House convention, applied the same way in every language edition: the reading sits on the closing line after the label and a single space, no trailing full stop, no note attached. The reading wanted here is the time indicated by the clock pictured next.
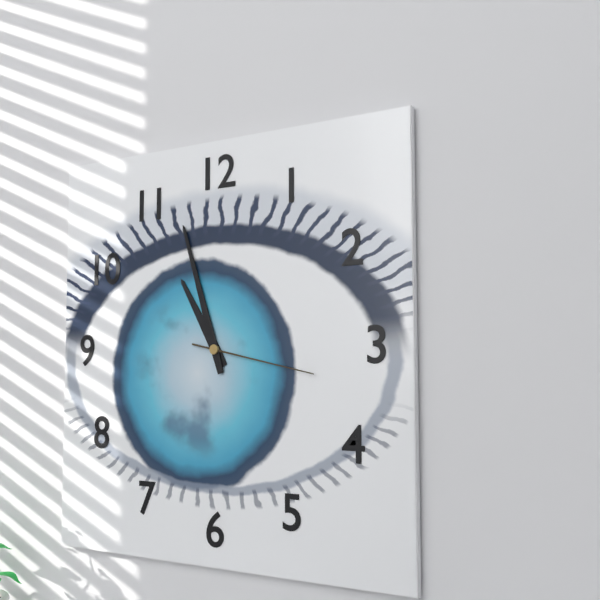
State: 10:57:17
